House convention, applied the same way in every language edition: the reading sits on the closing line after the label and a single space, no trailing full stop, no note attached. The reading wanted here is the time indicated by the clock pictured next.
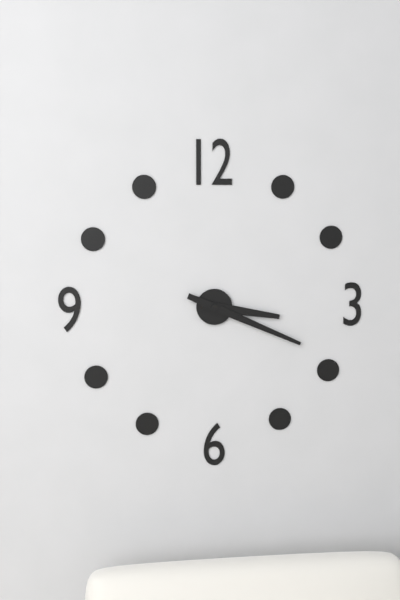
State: 3:19
